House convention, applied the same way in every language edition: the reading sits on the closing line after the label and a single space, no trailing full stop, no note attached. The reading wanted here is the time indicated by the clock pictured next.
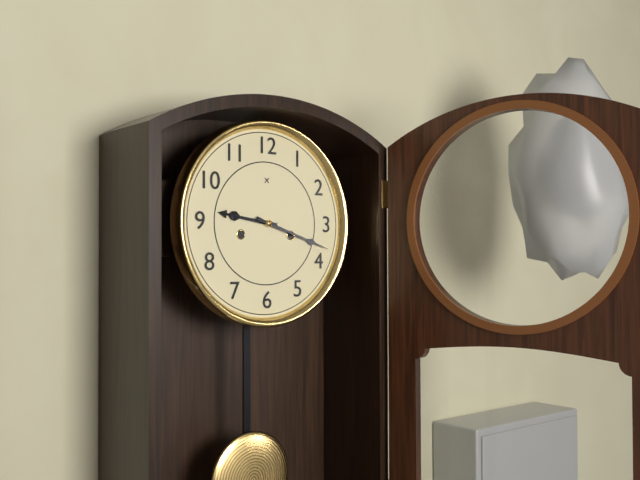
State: 9:18
